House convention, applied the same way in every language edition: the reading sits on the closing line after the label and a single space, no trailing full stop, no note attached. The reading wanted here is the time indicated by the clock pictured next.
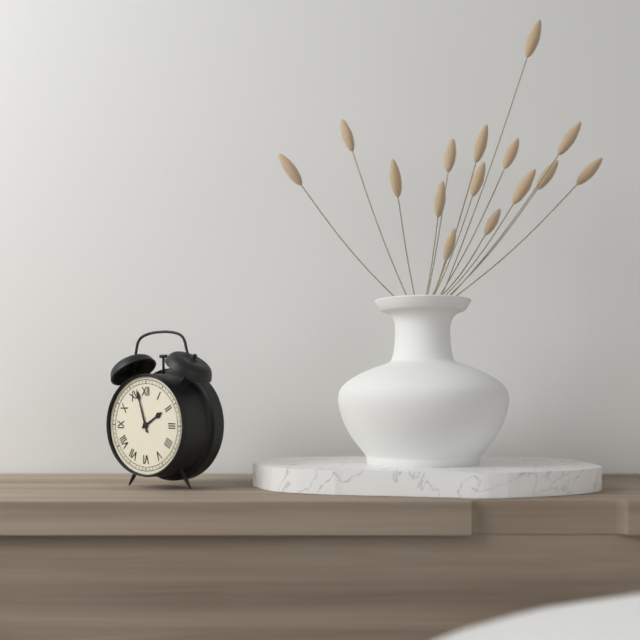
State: 1:57
